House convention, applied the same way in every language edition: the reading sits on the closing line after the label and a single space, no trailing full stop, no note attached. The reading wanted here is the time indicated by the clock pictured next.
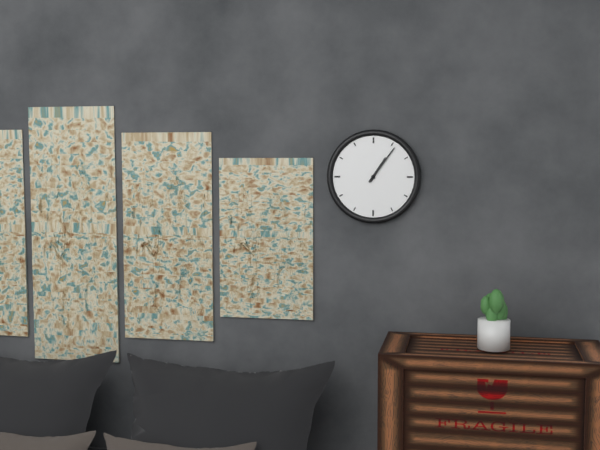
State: 1:06
